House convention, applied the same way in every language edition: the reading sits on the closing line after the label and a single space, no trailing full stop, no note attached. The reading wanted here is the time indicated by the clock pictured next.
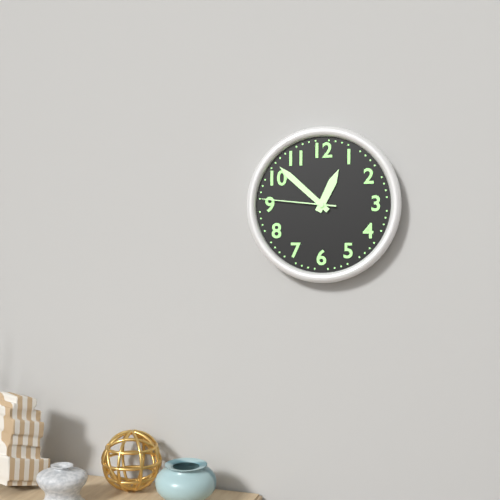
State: 12:52:46
